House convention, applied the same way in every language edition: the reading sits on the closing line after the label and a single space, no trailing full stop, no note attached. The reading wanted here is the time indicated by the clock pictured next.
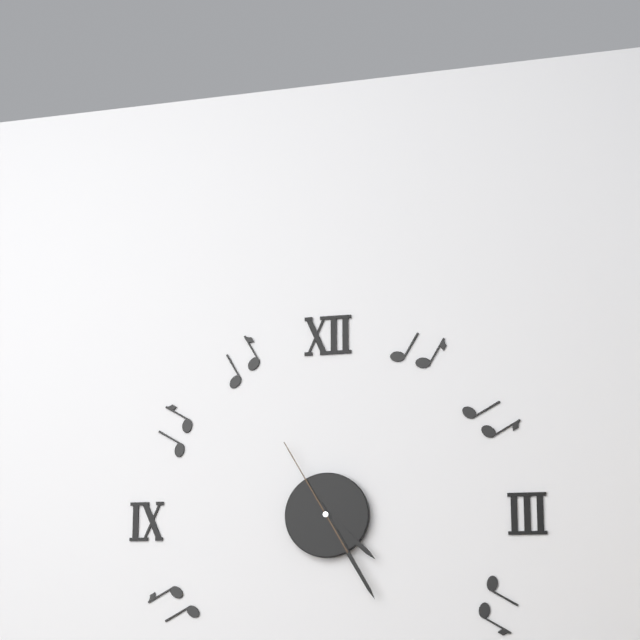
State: 4:25:55
